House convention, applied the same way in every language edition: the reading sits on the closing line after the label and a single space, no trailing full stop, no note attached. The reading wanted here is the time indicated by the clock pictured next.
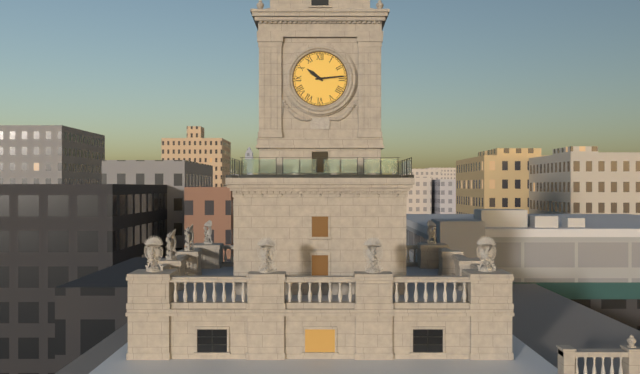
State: 10:14
